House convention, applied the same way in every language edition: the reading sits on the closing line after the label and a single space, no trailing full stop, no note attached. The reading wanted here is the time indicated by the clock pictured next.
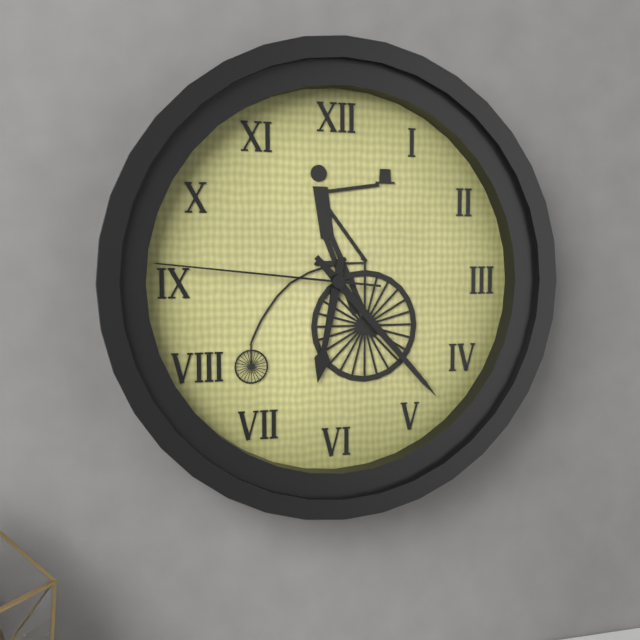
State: 6:23:46
